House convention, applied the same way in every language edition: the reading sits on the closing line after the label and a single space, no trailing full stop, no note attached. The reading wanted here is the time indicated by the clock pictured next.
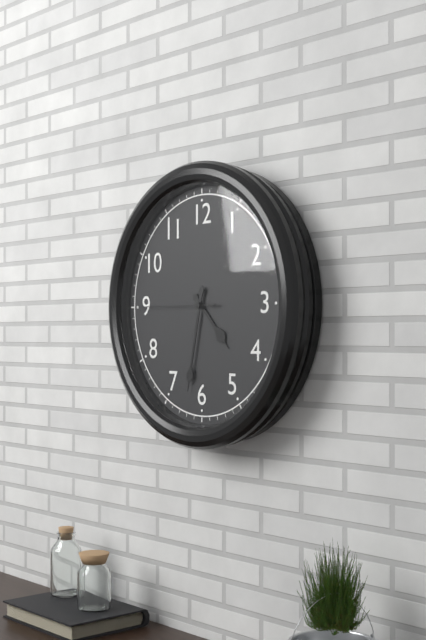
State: 4:32:45
